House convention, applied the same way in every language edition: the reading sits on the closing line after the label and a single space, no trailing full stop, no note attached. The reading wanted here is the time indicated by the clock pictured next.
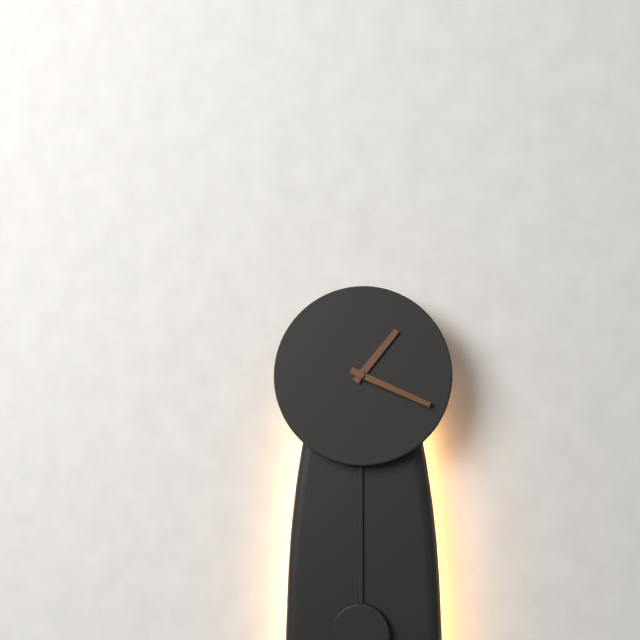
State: 1:19
